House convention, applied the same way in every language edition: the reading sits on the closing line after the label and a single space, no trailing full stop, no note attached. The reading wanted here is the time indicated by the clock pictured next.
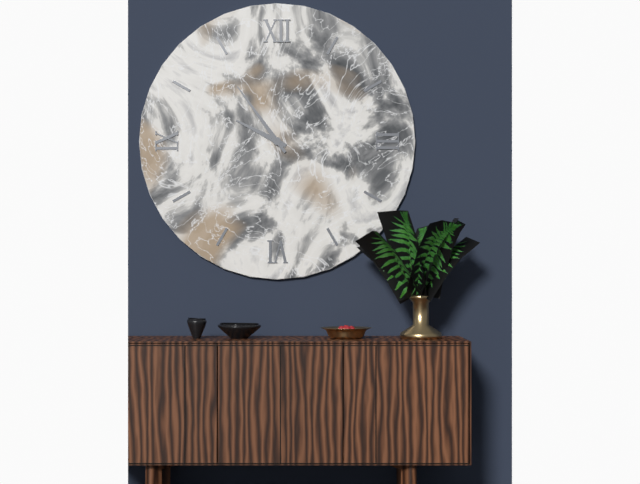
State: 9:54
